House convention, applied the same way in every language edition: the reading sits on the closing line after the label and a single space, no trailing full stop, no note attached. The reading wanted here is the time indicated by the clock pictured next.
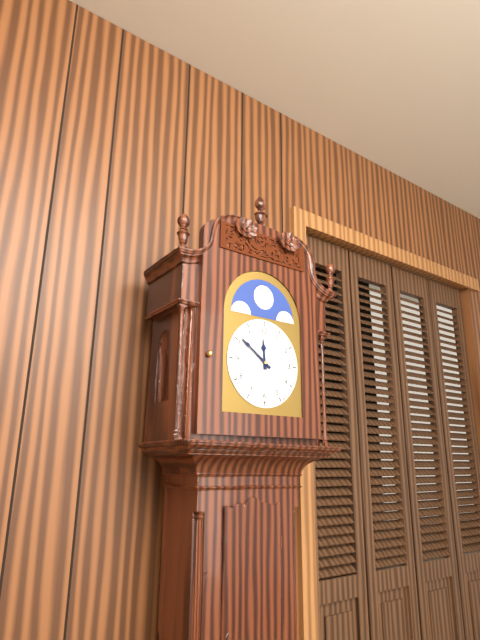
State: 11:51
